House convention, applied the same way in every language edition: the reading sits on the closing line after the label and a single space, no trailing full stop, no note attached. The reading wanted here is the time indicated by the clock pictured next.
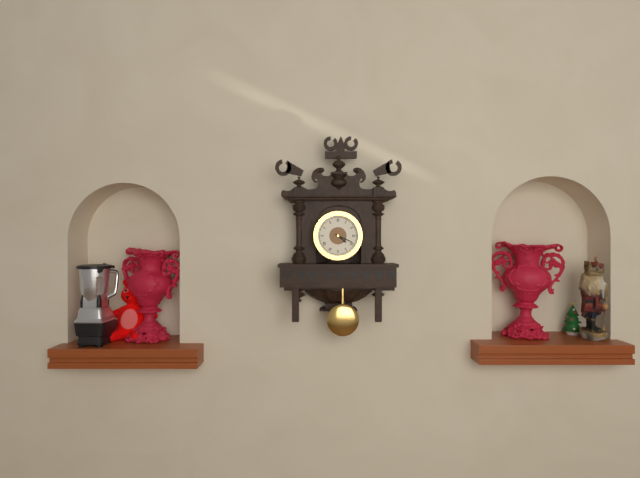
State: 4:19
